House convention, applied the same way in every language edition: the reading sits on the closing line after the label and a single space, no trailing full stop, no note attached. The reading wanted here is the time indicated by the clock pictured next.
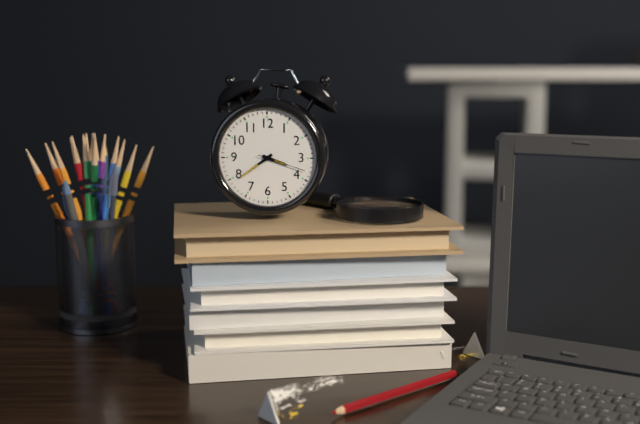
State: 3:39:18
